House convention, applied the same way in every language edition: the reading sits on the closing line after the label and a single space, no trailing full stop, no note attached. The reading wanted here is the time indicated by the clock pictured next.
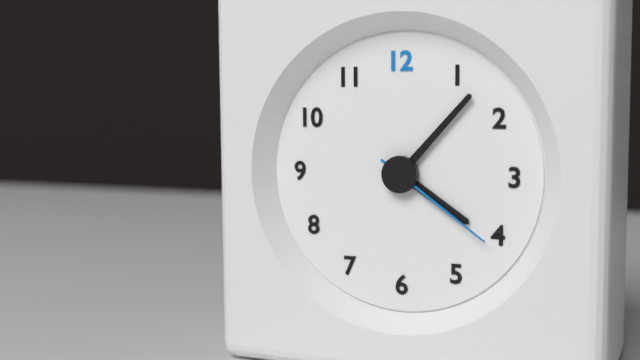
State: 4:07:21
